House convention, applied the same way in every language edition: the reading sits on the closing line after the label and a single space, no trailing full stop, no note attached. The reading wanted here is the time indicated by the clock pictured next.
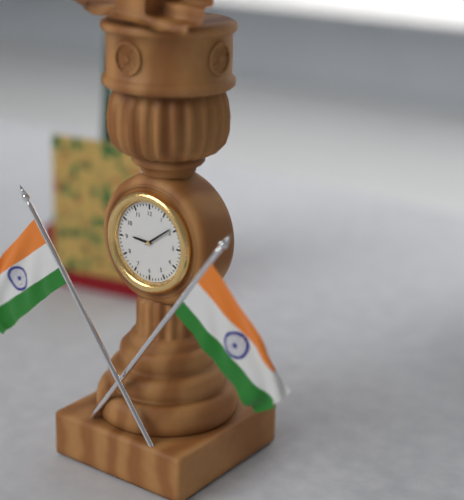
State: 9:09
